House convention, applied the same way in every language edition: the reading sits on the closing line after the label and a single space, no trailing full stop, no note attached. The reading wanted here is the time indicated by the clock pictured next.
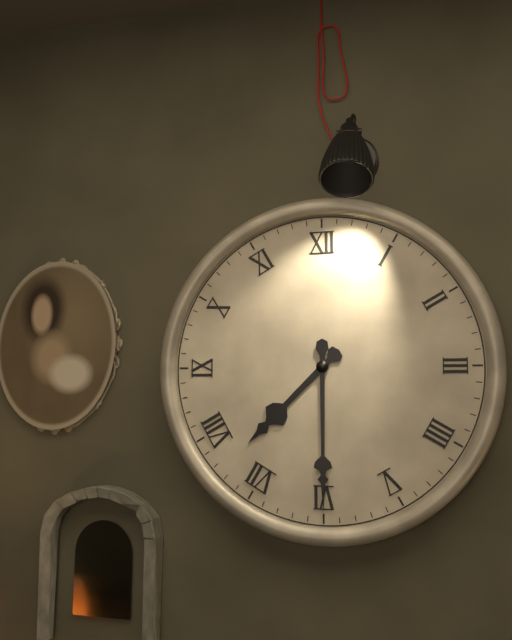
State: 7:30
